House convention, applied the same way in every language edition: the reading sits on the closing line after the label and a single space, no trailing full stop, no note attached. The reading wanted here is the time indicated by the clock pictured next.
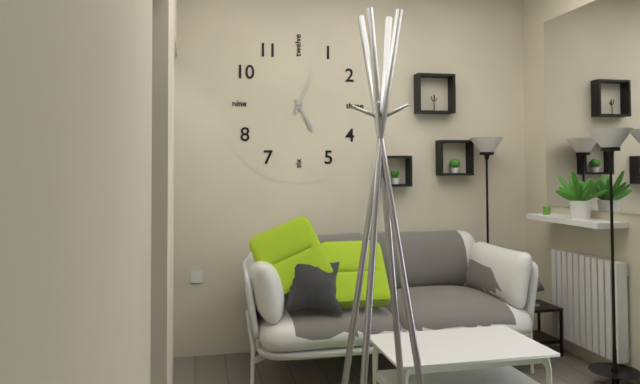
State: 5:04
